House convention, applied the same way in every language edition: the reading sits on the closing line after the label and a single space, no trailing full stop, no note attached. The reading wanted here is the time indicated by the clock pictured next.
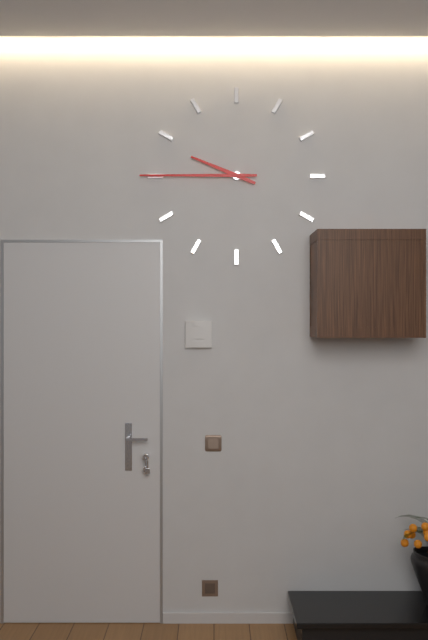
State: 9:45
